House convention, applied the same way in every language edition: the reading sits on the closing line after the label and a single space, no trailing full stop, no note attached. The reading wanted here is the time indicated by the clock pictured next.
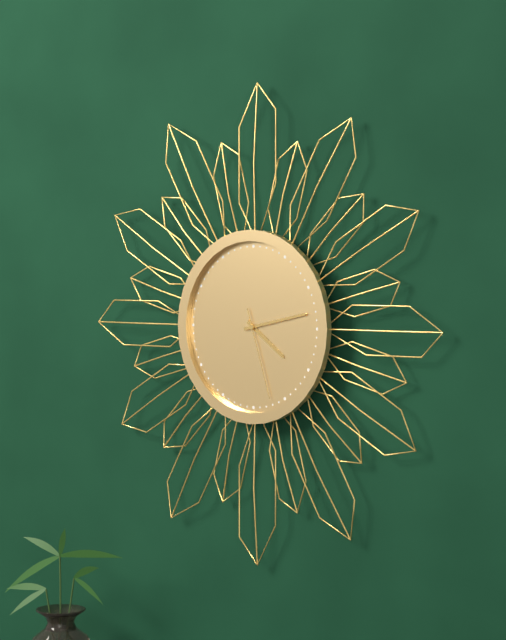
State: 4:13:27
